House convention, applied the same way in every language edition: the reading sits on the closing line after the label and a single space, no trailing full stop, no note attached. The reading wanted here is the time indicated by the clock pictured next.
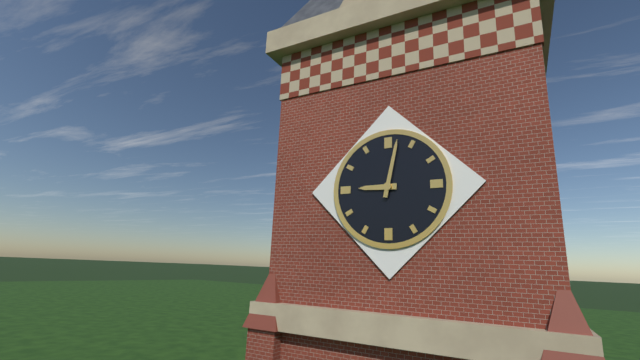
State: 9:02
